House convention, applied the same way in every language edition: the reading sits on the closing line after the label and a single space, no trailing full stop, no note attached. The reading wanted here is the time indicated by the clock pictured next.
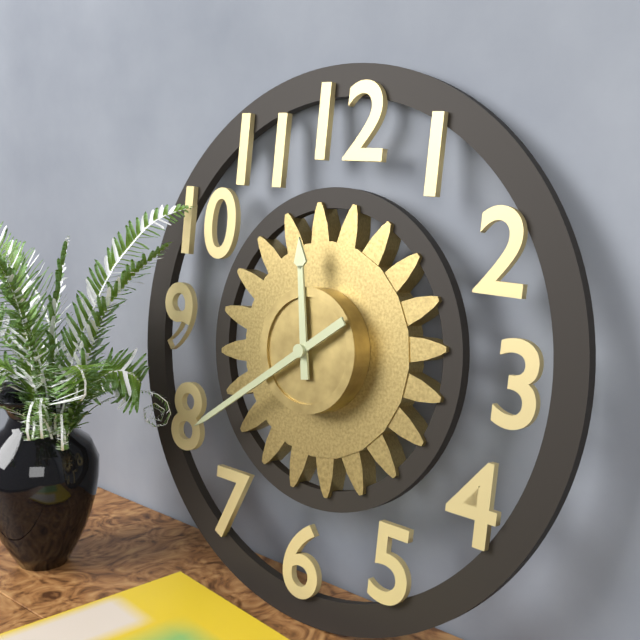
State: 11:39
